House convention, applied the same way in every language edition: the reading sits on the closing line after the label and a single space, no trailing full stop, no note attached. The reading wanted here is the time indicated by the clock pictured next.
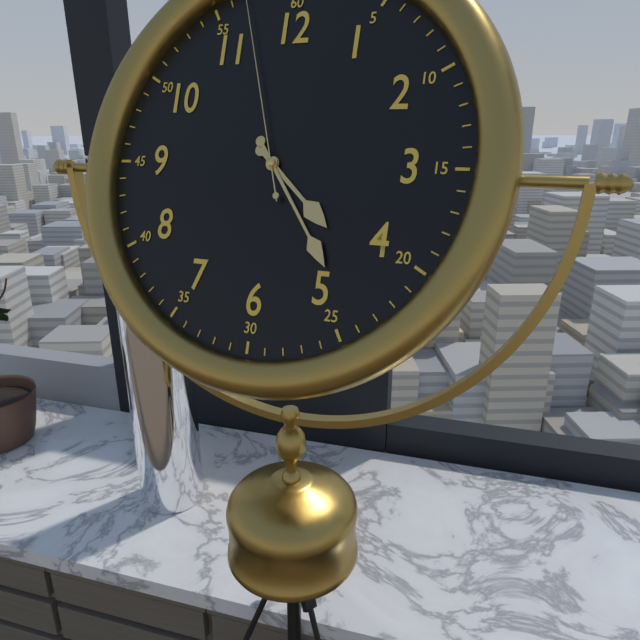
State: 4:24
